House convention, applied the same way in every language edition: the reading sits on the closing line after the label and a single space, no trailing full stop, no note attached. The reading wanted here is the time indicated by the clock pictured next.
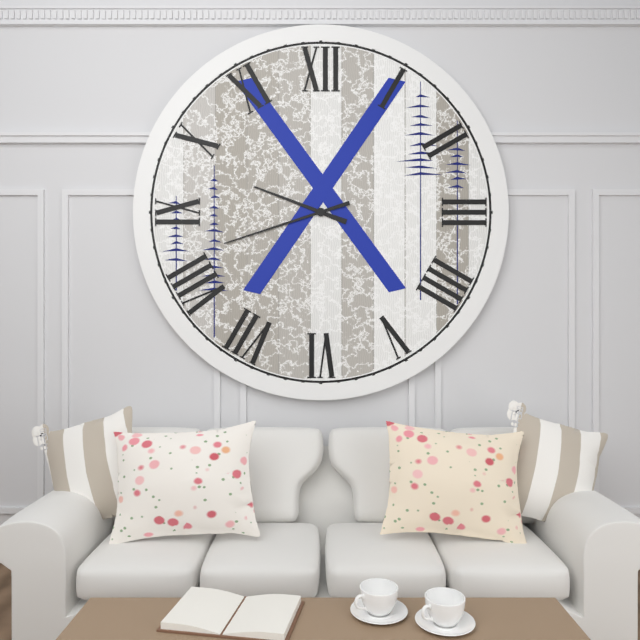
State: 9:42
